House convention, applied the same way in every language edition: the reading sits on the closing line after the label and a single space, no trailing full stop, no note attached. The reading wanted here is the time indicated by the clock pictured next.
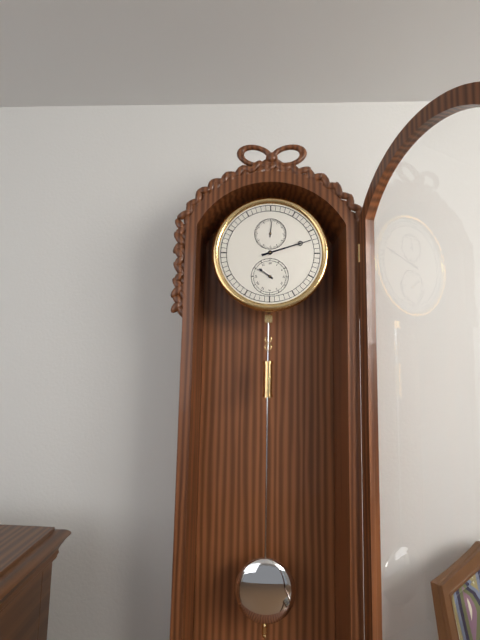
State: 10:12
